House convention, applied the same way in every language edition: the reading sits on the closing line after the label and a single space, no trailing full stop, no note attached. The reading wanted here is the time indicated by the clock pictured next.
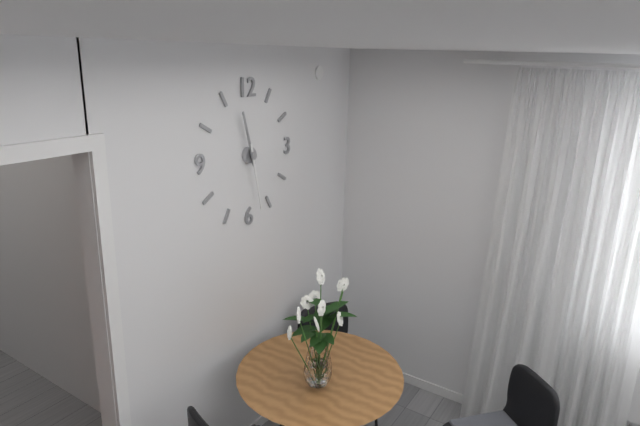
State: 11:28
